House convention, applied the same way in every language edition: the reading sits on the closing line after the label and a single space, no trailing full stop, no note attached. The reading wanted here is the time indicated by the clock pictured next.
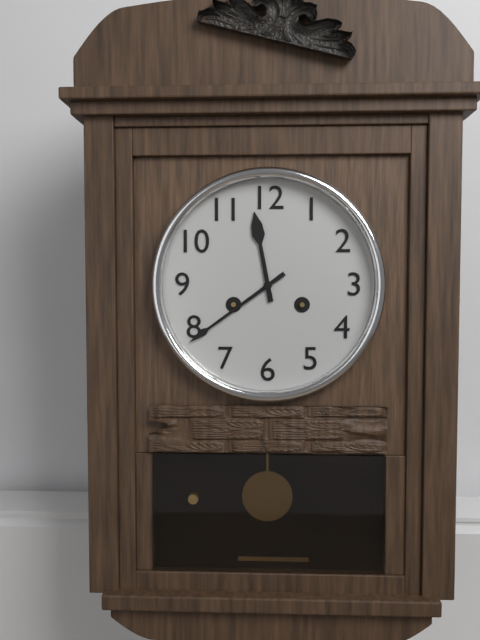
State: 11:39
